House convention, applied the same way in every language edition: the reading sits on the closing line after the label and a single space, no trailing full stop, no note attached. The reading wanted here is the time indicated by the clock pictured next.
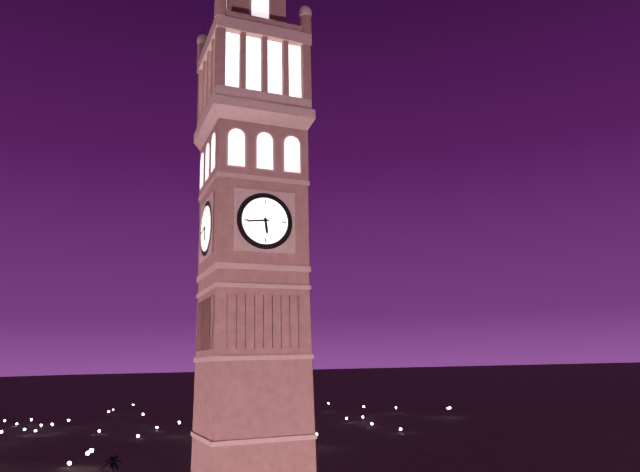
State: 5:44
